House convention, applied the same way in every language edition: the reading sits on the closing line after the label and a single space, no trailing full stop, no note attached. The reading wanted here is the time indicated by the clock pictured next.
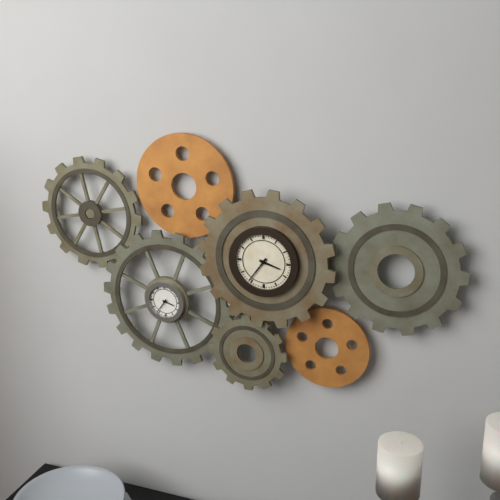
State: 3:36
